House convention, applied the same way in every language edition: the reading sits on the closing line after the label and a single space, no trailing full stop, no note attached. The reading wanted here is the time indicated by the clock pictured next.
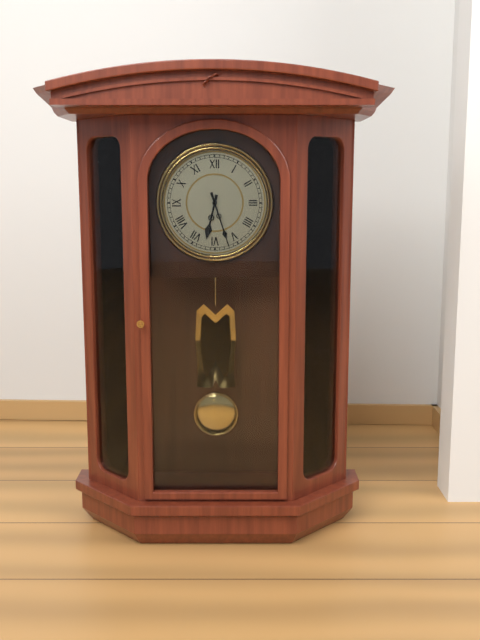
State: 6:27
